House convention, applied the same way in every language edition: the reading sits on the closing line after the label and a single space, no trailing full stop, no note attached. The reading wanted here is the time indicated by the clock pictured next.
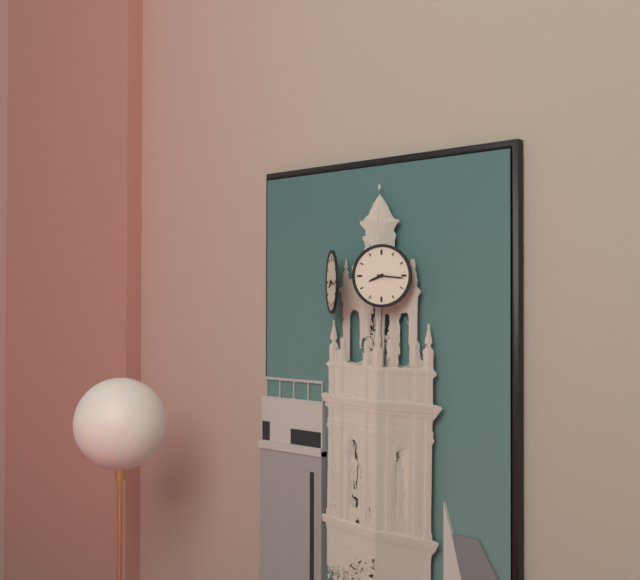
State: 8:16
